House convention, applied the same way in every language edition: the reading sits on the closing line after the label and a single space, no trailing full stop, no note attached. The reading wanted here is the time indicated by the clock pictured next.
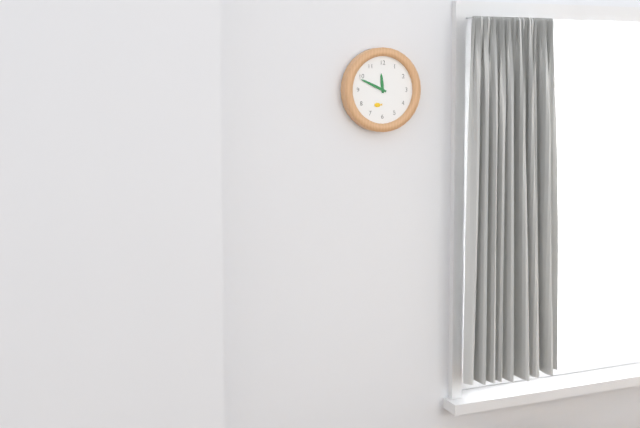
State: 11:49
